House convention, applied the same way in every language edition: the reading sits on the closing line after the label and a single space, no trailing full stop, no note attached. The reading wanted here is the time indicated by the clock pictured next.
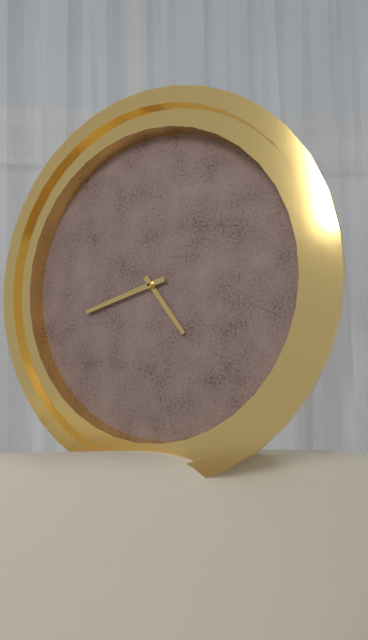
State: 4:42
